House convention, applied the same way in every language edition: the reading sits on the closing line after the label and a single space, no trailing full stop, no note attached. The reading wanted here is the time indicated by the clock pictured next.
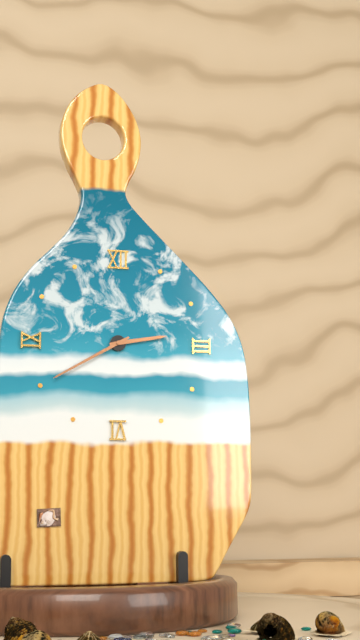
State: 2:40
